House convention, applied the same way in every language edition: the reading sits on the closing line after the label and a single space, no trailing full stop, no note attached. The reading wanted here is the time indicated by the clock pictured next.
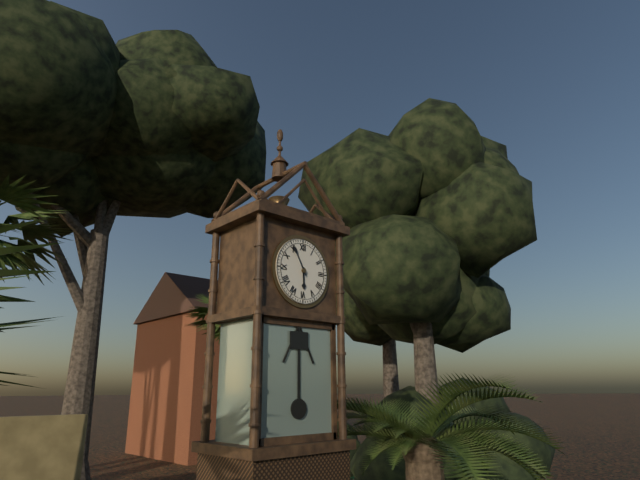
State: 5:55
